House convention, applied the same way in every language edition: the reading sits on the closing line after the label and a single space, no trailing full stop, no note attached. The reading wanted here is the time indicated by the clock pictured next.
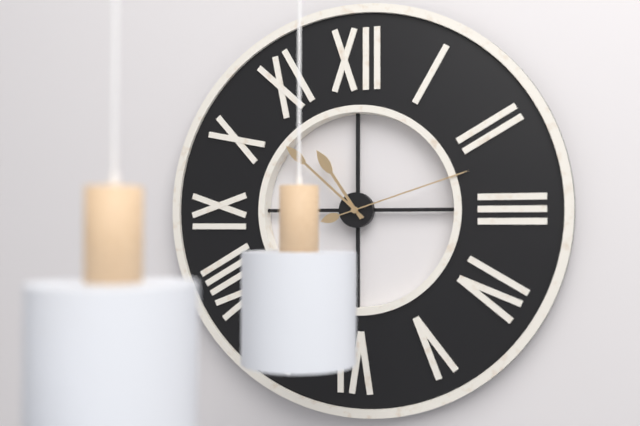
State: 10:52:12
